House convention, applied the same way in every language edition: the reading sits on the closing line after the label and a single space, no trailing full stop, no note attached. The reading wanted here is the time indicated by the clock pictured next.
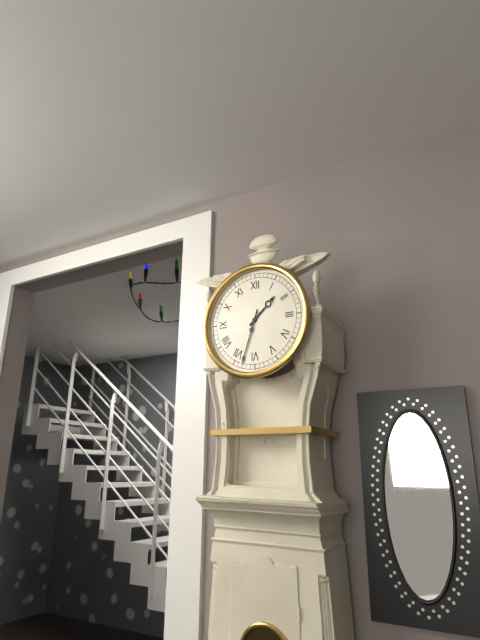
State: 1:33
